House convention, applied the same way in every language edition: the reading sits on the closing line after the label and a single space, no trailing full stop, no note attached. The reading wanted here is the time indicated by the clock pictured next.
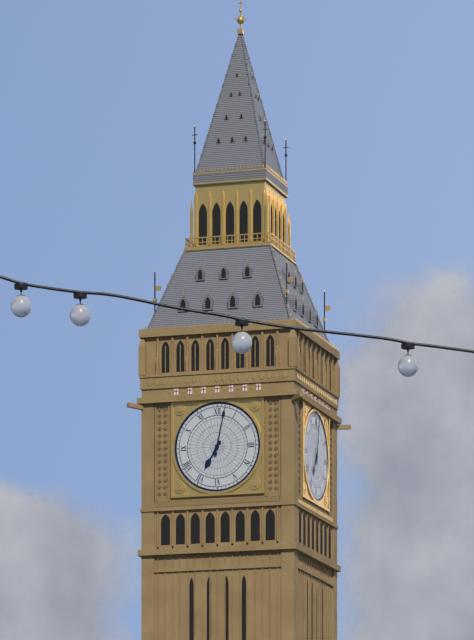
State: 7:02
